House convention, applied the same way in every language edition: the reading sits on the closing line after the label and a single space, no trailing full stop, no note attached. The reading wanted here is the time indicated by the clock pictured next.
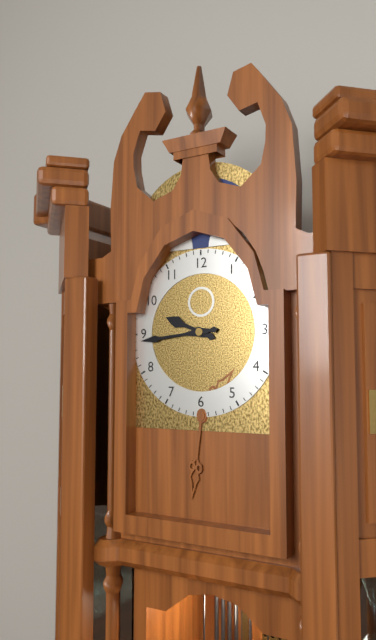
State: 9:44
